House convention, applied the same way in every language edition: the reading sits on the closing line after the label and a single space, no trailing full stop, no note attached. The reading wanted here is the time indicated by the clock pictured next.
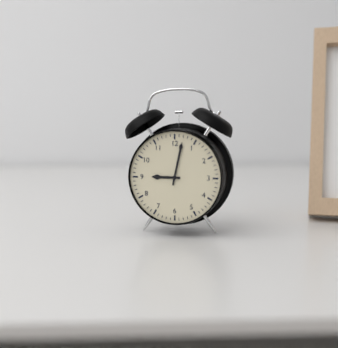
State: 9:02
